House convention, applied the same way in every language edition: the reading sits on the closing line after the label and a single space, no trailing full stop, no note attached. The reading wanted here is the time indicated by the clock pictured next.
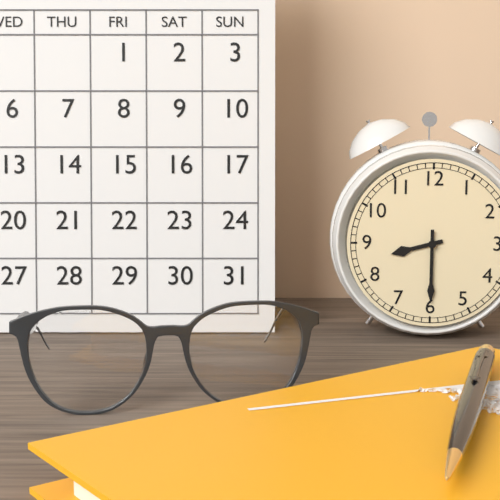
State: 8:30
